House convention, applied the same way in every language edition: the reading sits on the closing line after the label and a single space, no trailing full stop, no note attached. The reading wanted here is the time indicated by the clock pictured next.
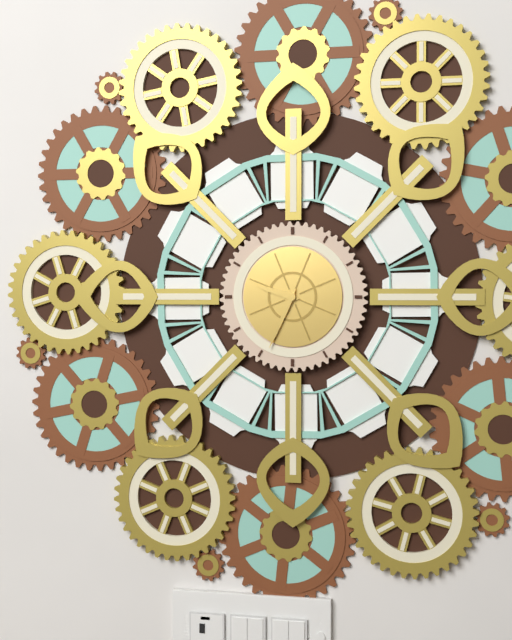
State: 9:34
